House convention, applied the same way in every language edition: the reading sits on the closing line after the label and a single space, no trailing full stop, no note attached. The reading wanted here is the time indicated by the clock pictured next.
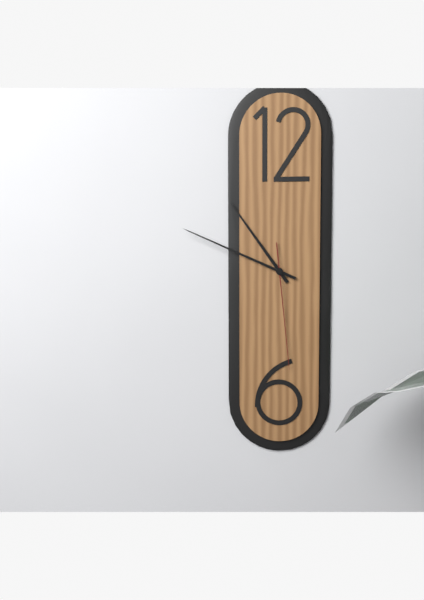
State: 10:49:29
